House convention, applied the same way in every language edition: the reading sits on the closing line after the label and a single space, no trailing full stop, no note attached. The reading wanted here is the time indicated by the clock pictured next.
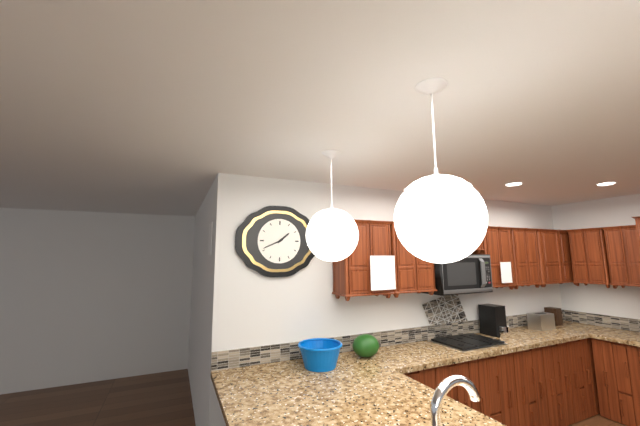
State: 1:41
